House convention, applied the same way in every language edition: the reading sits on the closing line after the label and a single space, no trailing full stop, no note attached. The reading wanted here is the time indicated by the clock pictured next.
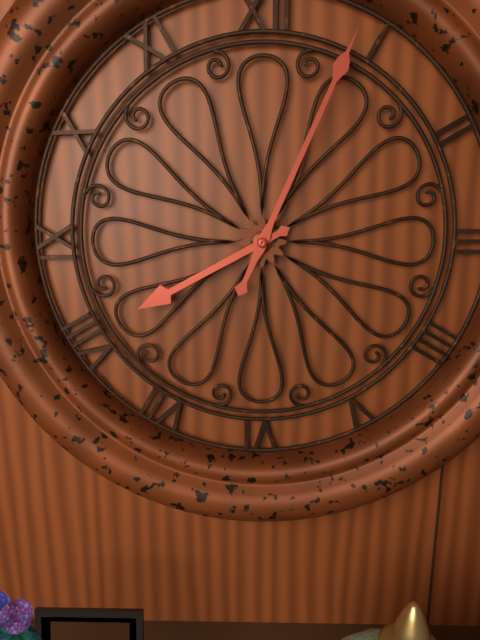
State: 8:04
